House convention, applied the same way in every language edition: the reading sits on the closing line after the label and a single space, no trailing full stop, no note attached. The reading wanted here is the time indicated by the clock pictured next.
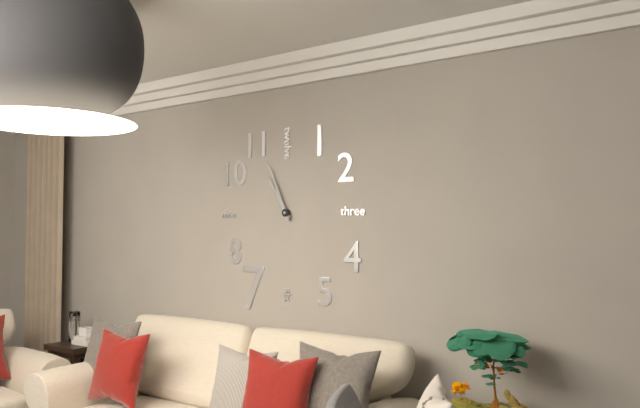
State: 10:56
